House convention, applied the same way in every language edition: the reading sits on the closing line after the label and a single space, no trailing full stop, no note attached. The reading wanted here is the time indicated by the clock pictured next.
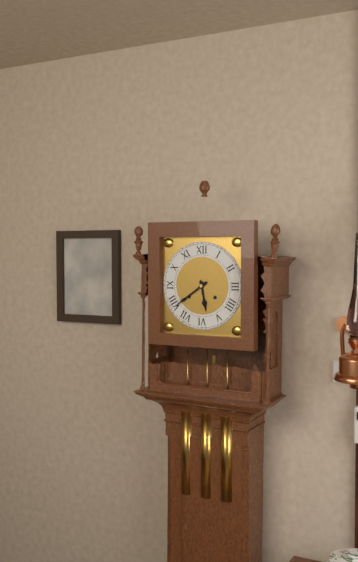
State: 5:39
